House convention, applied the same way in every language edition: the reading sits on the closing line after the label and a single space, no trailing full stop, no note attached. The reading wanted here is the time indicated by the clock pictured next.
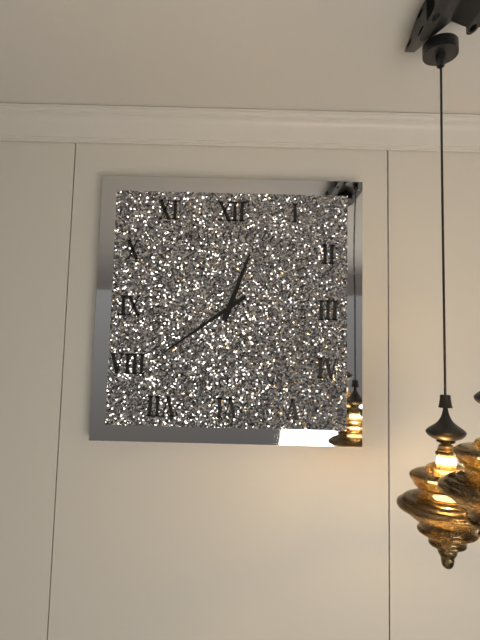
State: 12:39
